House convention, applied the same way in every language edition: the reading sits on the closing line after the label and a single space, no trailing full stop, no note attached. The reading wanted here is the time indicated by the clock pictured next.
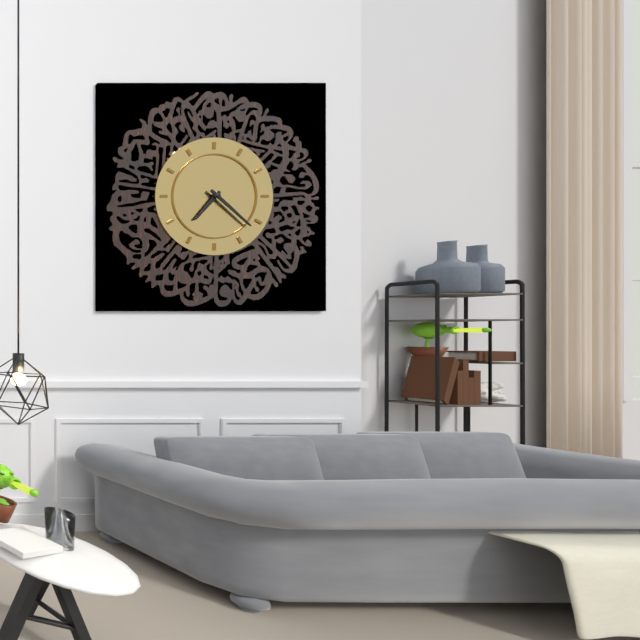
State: 7:22
